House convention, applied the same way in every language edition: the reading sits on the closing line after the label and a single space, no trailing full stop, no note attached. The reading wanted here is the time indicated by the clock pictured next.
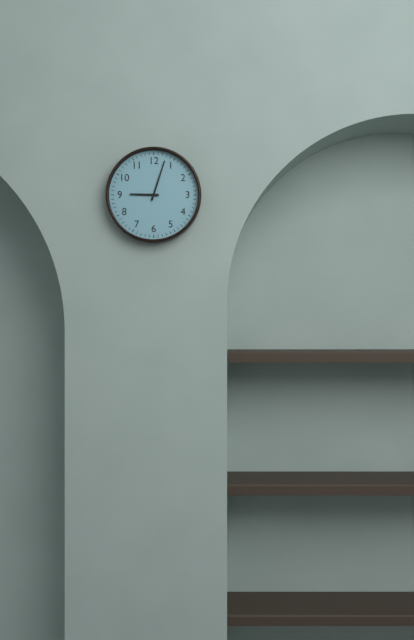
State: 9:03
